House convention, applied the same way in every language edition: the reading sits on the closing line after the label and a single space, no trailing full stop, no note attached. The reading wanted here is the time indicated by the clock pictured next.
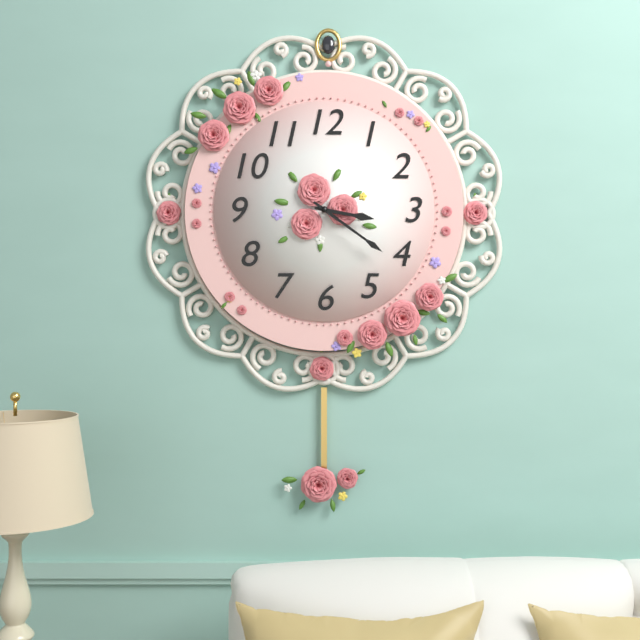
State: 3:21
